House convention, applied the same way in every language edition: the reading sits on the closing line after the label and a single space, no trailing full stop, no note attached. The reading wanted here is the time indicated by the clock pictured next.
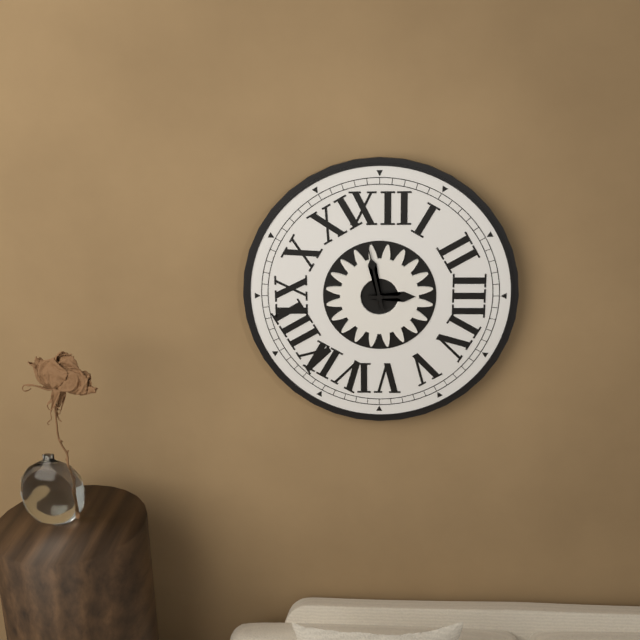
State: 2:58
